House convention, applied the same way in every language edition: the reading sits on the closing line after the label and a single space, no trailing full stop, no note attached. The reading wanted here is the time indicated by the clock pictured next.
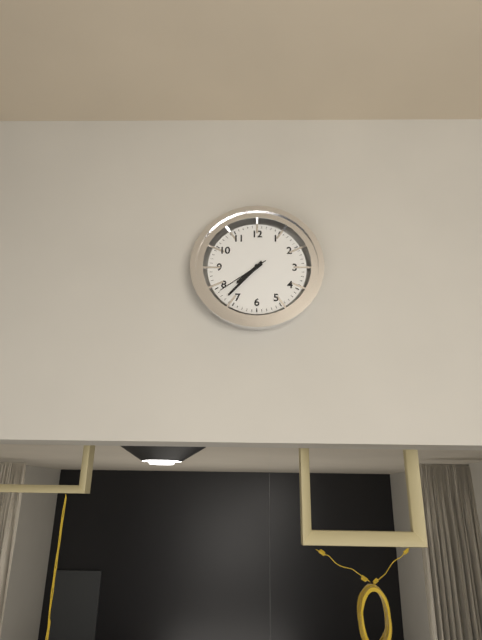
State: 7:37:39
